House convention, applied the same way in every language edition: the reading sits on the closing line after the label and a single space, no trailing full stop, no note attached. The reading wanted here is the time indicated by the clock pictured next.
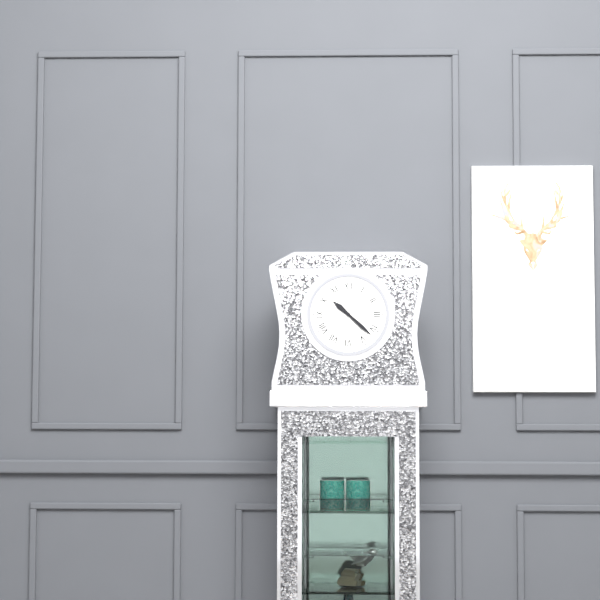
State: 10:22
